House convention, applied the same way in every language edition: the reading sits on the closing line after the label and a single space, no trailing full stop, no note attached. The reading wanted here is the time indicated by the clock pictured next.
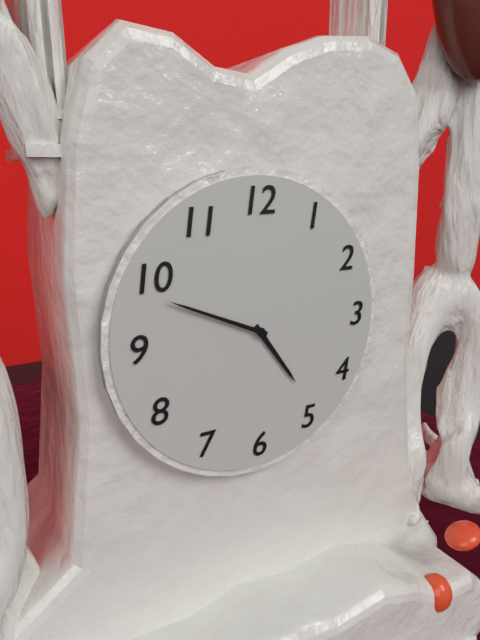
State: 4:49
